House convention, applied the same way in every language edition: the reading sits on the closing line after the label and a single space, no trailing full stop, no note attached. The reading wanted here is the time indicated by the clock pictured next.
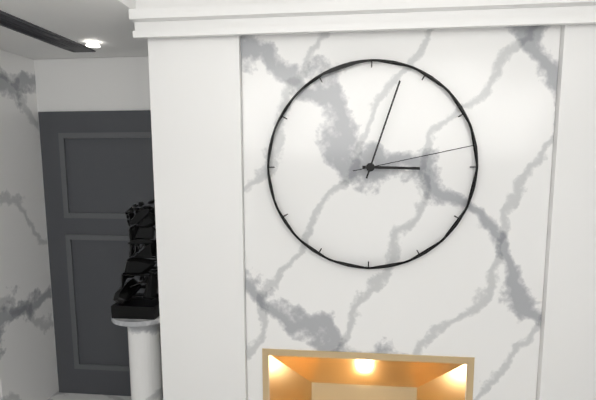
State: 3:03:13
